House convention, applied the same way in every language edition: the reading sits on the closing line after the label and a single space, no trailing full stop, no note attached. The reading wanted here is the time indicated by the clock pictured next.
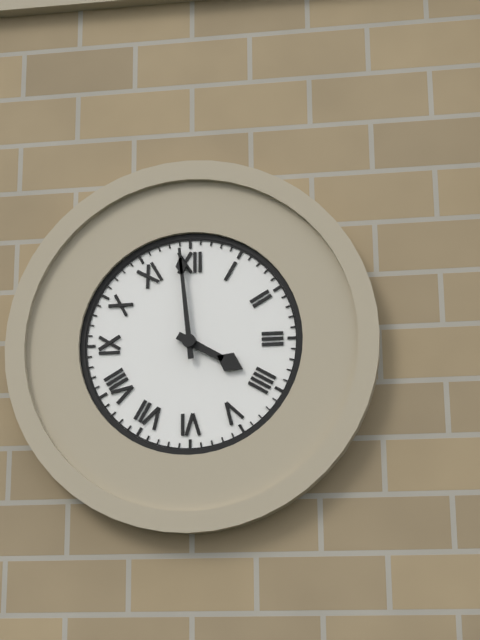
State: 3:59
